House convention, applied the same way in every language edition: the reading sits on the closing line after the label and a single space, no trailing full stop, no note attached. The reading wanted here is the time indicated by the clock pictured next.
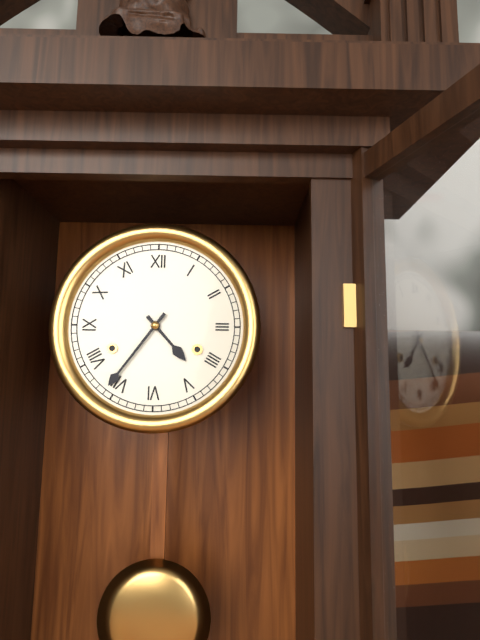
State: 4:36
